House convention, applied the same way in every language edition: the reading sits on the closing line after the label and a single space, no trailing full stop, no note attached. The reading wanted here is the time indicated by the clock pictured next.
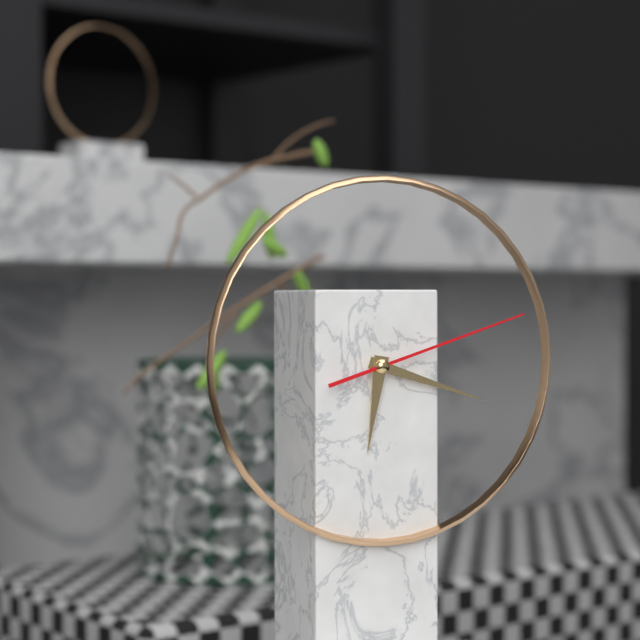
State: 6:18:12
